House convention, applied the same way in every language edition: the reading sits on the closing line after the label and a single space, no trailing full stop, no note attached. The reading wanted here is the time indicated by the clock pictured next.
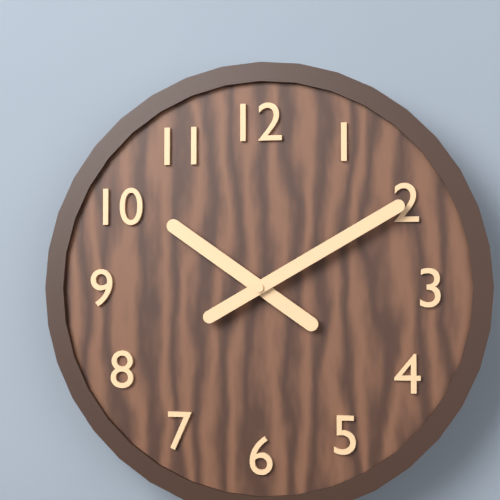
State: 10:10
